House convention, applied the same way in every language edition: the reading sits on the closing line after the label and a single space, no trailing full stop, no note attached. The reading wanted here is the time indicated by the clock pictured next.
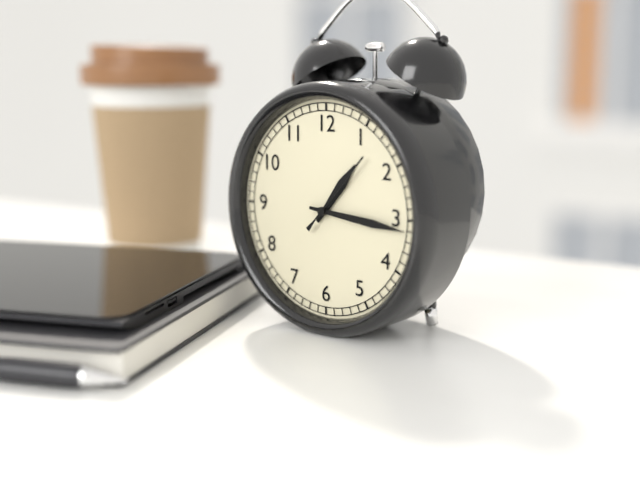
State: 1:16:07
